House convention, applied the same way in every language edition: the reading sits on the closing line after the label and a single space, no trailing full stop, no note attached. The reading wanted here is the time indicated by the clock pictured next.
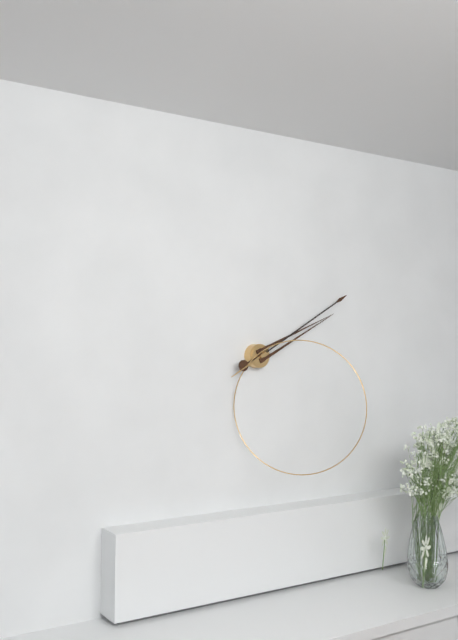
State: 2:10
